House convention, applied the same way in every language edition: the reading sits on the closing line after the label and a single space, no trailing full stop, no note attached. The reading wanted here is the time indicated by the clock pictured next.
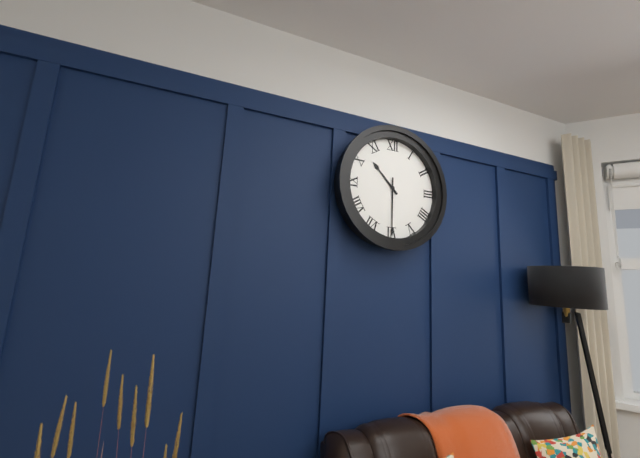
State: 10:30
